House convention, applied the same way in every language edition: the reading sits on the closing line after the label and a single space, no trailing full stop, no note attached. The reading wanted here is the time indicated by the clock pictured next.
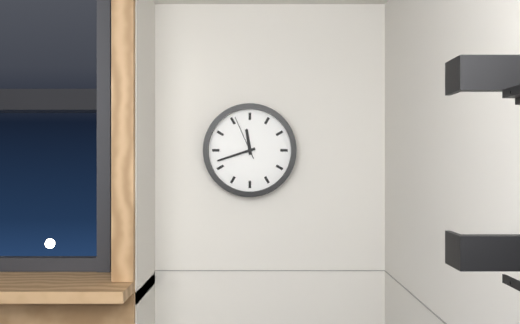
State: 11:42
